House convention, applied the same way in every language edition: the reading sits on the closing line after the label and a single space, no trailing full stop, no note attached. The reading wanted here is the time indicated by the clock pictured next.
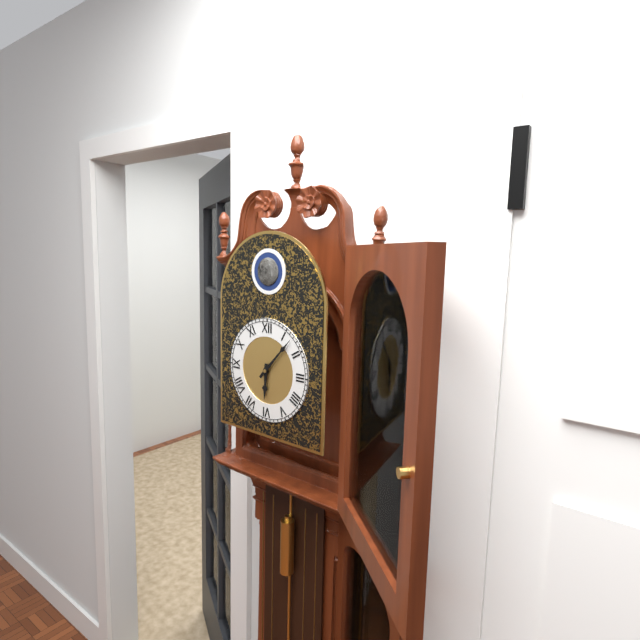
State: 6:07
